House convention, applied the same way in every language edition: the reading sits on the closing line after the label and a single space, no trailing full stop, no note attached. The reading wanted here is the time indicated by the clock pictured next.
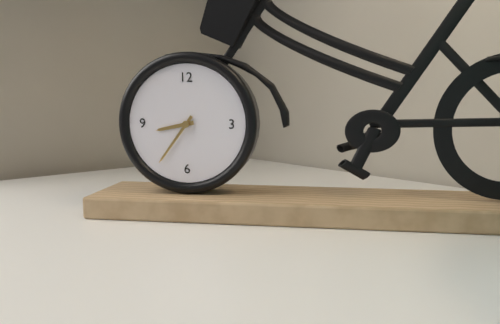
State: 8:36
